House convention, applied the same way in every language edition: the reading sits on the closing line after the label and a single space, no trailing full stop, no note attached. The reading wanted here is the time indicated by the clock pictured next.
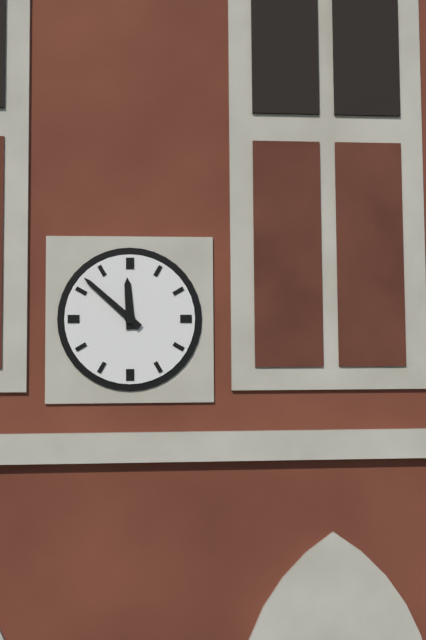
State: 11:52
